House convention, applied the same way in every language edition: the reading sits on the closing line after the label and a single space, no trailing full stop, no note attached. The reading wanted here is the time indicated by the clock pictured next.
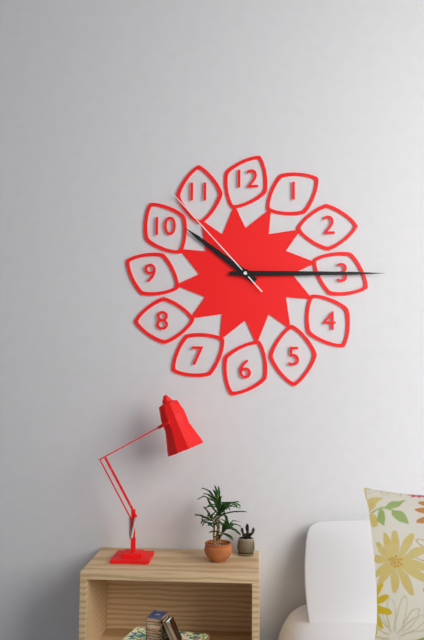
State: 10:15:53
